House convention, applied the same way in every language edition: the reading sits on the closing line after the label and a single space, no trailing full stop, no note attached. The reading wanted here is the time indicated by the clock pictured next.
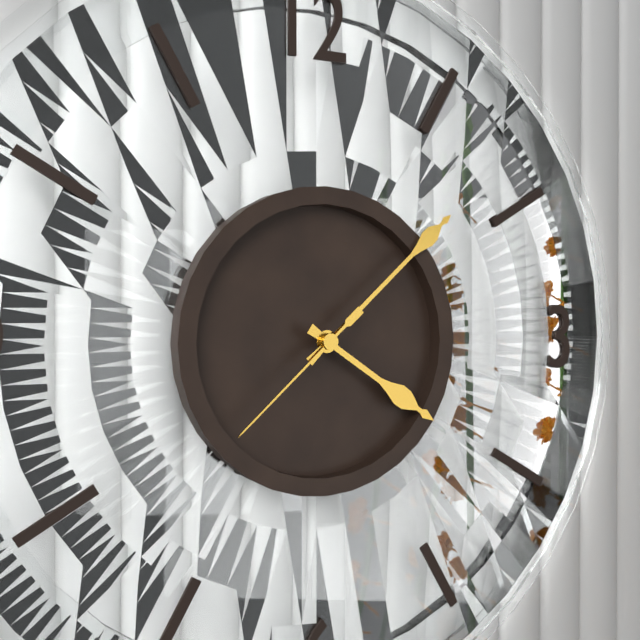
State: 4:08:38
